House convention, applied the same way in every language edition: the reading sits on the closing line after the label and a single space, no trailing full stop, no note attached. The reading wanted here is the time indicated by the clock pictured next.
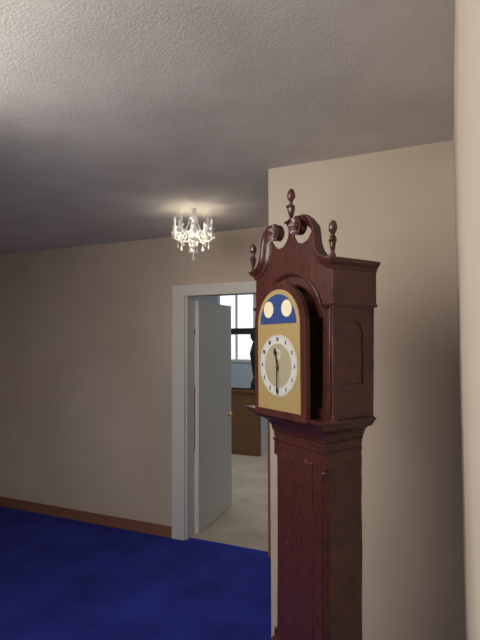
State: 11:30
